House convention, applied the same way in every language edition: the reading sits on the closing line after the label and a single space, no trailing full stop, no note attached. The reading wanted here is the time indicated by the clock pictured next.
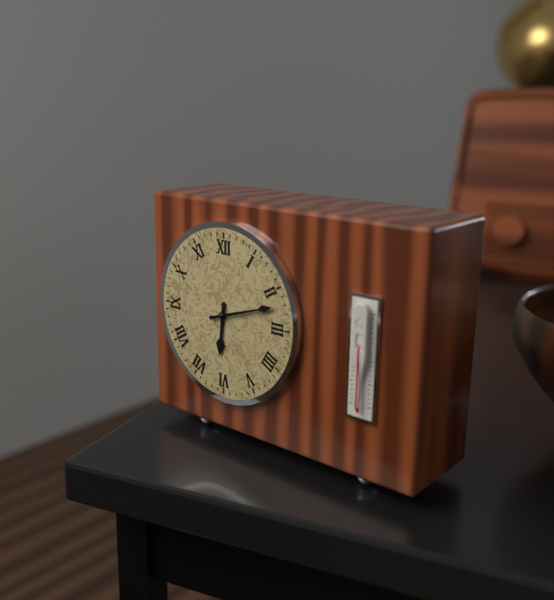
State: 6:12
